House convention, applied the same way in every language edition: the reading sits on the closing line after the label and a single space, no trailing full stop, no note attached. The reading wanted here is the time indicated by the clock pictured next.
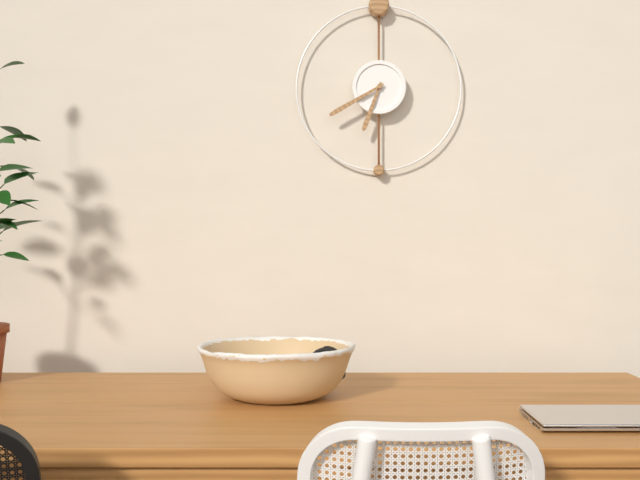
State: 6:40
